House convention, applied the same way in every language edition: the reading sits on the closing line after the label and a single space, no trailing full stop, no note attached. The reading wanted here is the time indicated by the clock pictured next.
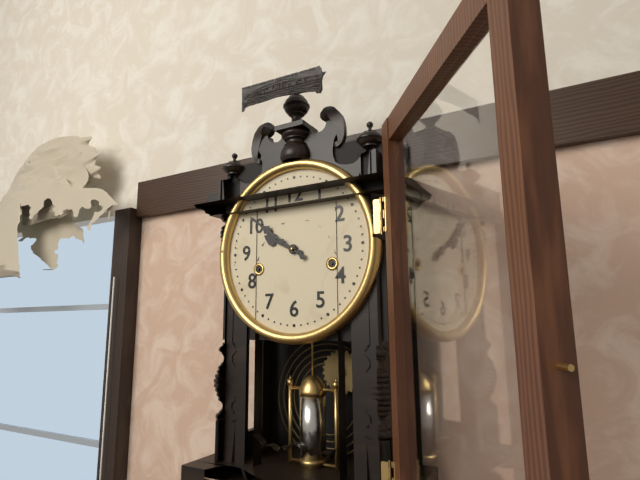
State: 9:51
